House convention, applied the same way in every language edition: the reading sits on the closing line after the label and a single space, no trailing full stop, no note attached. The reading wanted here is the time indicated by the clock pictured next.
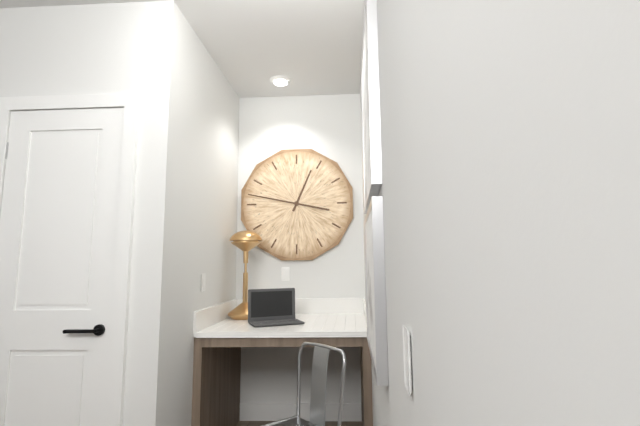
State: 12:47
